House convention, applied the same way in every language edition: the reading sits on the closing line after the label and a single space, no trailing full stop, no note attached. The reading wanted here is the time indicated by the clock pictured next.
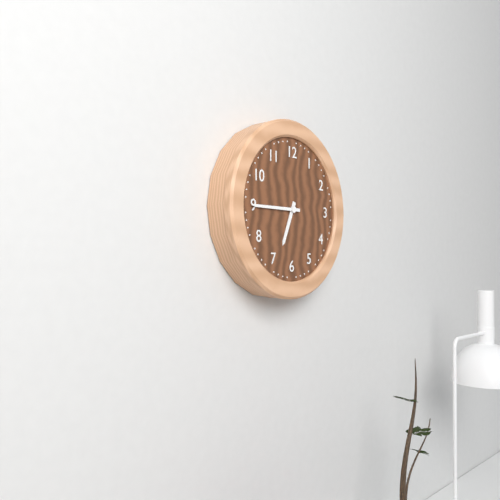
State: 6:45
